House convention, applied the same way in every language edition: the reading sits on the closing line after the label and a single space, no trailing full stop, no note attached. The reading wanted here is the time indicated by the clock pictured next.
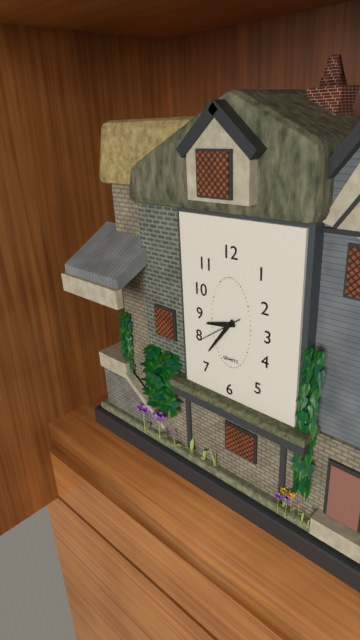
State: 8:36
